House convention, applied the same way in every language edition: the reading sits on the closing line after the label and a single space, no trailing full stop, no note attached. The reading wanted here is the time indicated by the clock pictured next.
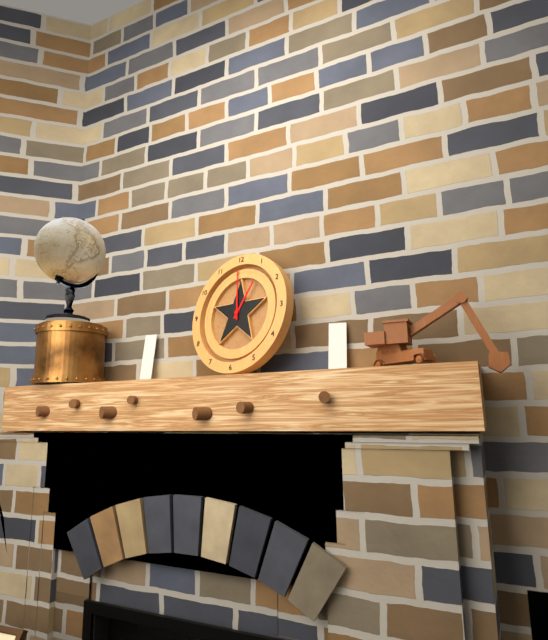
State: 12:59
